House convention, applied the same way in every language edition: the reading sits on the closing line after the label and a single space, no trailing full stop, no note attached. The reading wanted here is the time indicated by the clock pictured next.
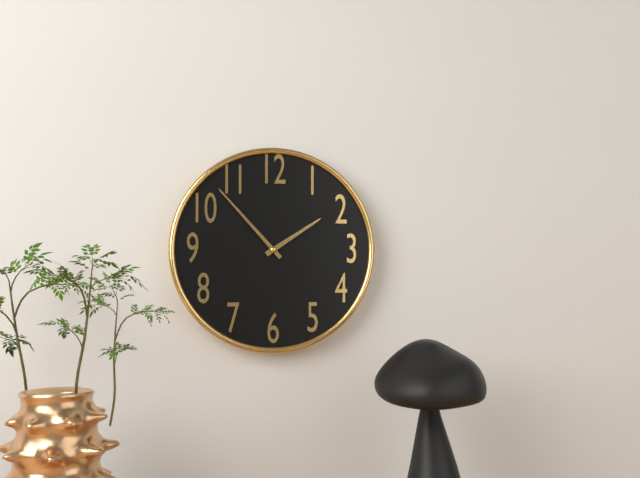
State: 1:53
